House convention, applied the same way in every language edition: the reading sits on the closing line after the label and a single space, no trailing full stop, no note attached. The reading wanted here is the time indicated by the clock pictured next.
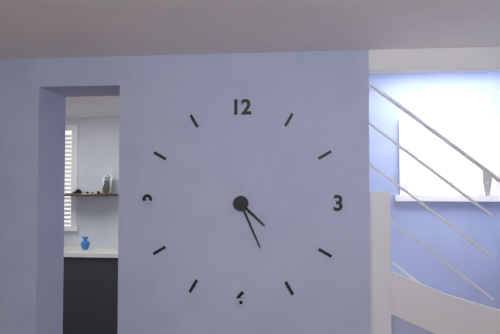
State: 4:26
